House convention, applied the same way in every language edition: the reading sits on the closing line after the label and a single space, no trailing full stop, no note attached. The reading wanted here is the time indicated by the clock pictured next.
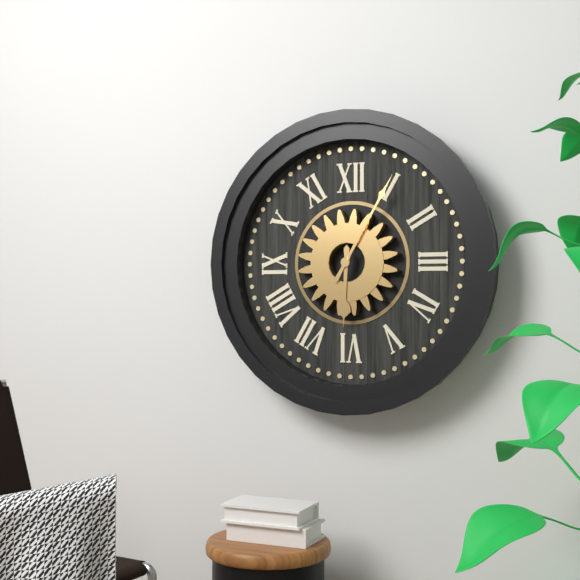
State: 6:05
